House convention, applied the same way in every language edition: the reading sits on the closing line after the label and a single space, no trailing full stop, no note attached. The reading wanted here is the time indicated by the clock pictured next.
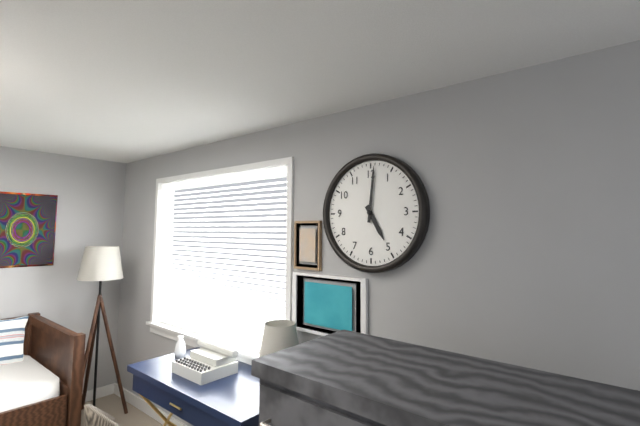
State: 5:01
